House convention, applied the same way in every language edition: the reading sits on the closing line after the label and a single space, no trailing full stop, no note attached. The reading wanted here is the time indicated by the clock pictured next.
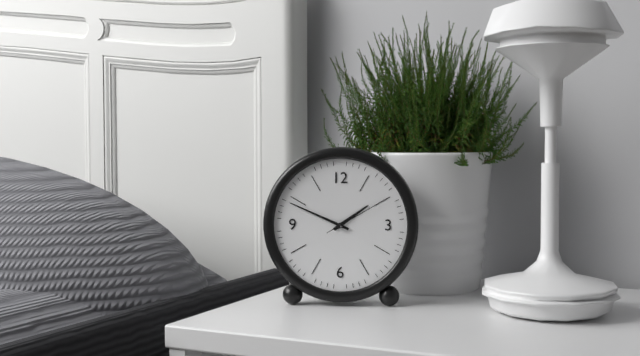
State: 1:49:10
